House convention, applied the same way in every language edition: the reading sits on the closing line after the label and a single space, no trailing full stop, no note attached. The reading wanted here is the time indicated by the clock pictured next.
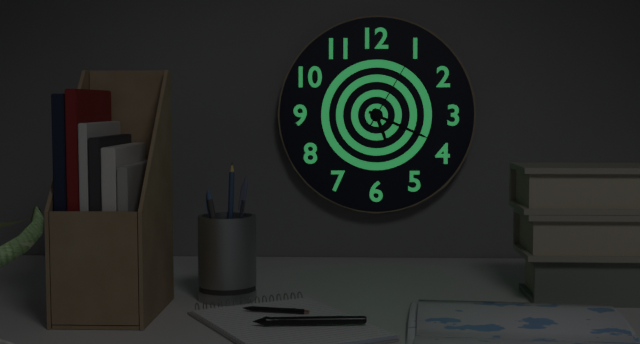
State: 5:19:05
